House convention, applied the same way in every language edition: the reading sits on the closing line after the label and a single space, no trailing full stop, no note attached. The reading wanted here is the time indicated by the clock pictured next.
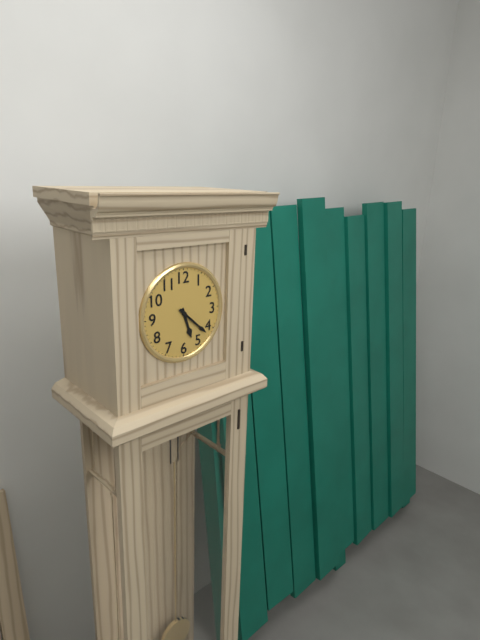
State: 5:22
